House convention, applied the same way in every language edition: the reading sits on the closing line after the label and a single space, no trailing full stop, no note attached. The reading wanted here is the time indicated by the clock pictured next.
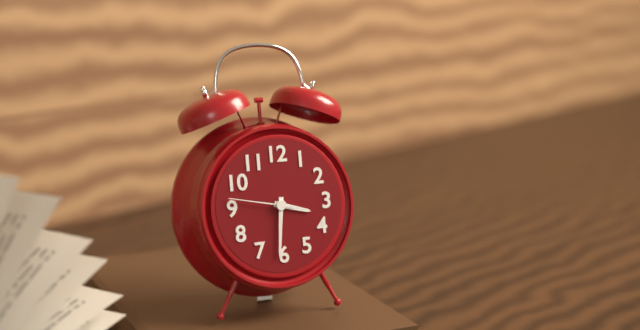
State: 3:31:47
